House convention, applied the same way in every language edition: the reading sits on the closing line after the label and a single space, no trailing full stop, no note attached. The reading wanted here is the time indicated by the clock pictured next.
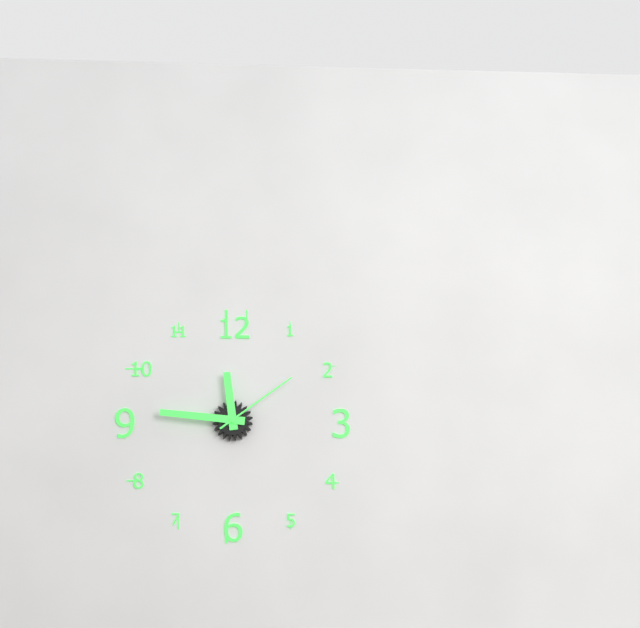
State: 11:46:09
